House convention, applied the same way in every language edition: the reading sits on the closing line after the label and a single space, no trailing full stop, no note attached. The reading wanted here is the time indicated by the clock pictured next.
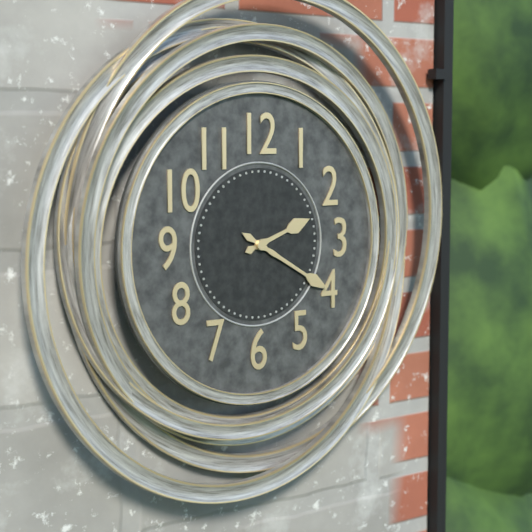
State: 2:20
